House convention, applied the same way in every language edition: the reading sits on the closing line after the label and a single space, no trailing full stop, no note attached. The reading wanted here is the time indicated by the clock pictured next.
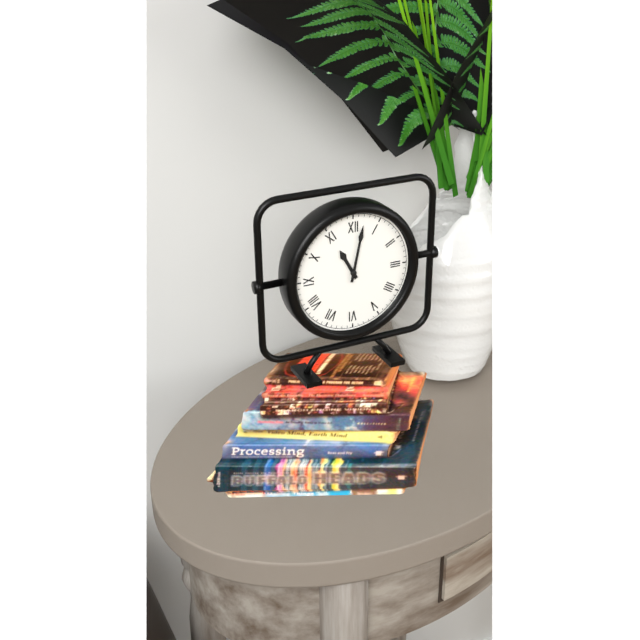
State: 11:02
